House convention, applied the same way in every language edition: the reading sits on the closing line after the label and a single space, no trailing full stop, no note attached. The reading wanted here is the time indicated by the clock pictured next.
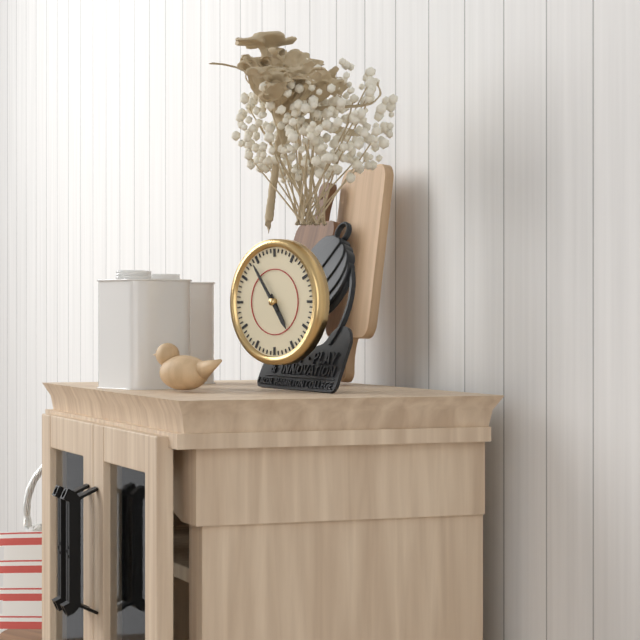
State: 4:54
